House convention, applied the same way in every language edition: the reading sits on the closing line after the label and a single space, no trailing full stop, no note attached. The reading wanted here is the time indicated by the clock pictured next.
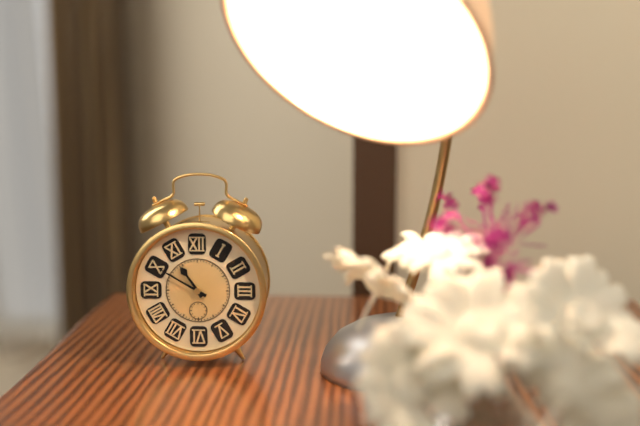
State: 10:50
